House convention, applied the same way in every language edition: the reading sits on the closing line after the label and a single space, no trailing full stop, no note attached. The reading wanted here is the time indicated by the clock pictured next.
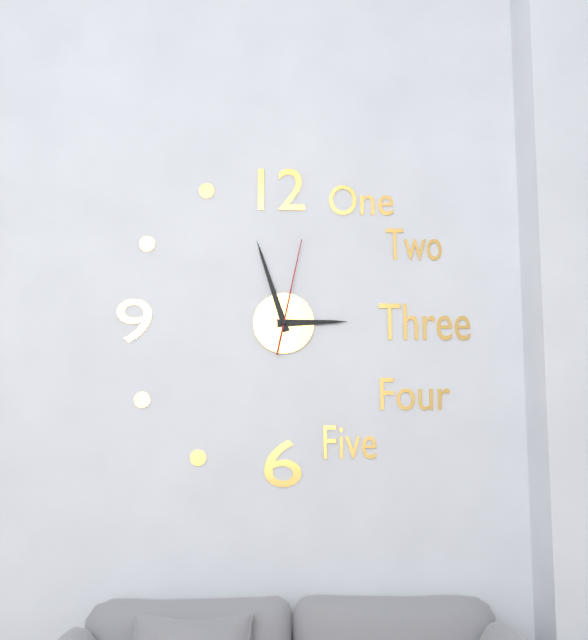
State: 2:57:02
